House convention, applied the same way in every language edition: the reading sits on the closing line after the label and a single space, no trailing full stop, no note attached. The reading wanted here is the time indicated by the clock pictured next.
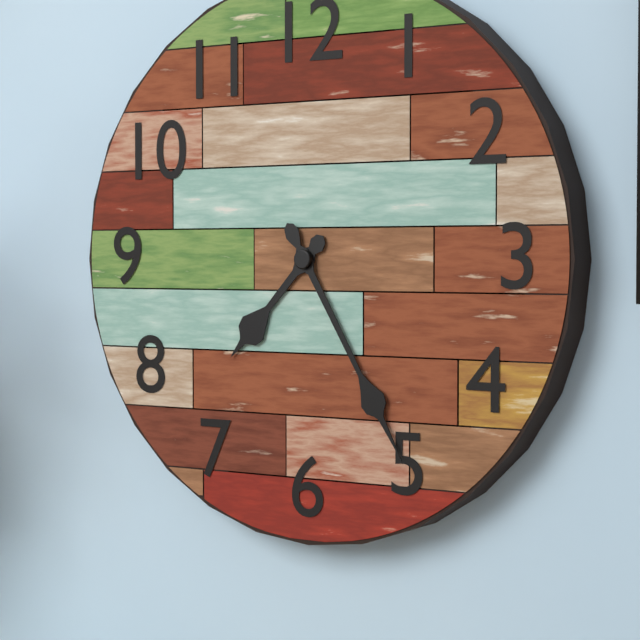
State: 7:25
